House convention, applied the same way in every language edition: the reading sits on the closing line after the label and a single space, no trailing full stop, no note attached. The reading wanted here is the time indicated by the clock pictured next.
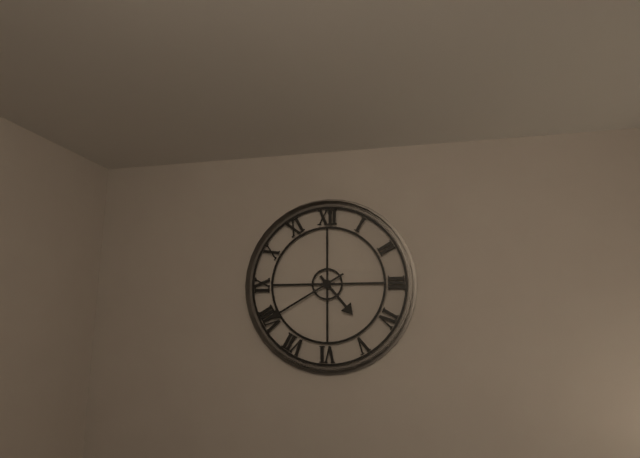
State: 4:40
